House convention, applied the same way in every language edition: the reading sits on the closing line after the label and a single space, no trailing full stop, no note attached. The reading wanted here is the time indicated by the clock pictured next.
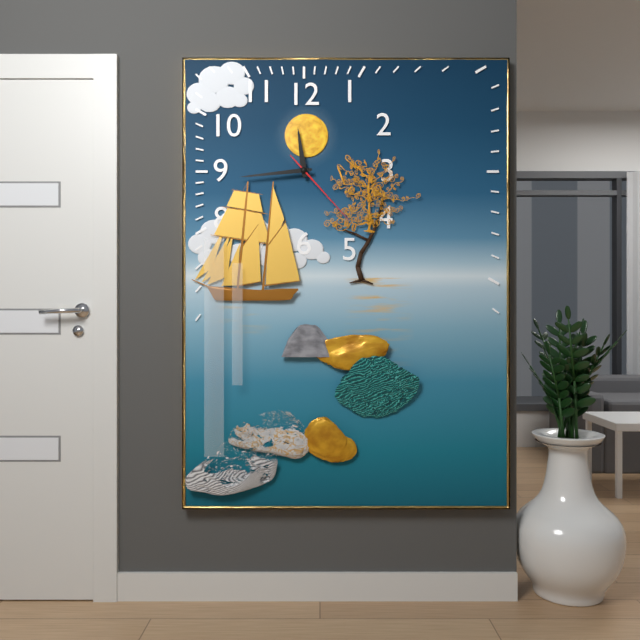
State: 11:44:23
